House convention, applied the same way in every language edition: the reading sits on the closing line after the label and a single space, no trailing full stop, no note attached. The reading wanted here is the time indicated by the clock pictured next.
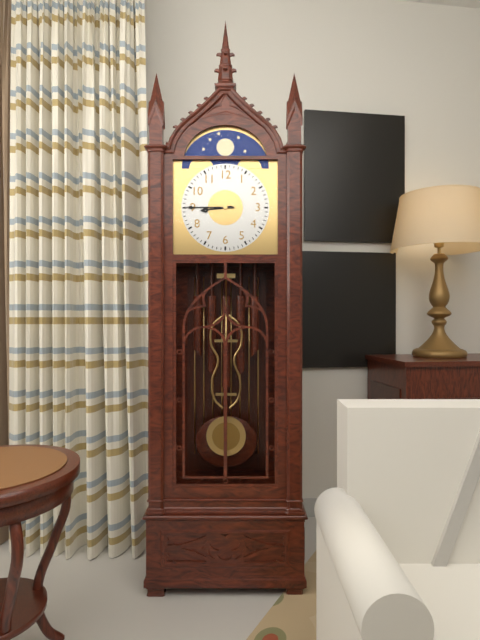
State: 8:45
